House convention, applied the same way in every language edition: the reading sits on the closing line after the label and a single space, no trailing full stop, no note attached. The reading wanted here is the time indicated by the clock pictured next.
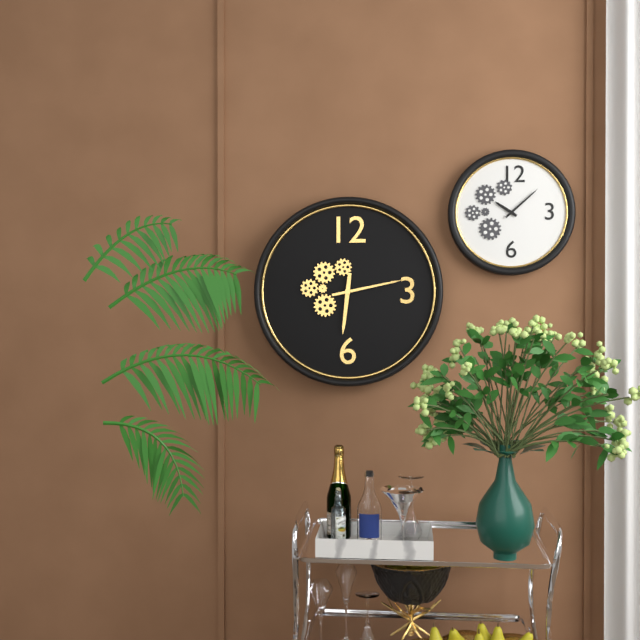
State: 6:13
